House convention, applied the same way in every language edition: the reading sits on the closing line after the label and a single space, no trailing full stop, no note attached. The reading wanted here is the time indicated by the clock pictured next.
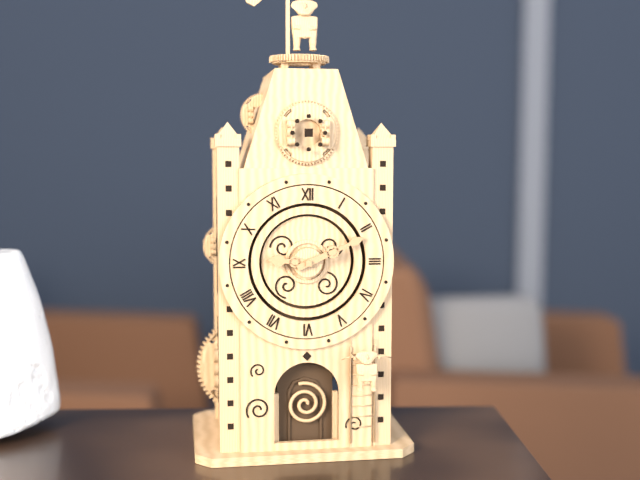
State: 9:11
